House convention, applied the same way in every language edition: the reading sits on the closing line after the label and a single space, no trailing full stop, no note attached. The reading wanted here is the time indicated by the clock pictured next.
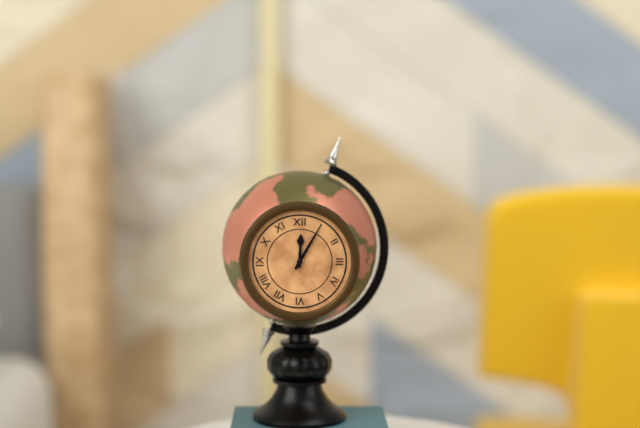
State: 12:05
